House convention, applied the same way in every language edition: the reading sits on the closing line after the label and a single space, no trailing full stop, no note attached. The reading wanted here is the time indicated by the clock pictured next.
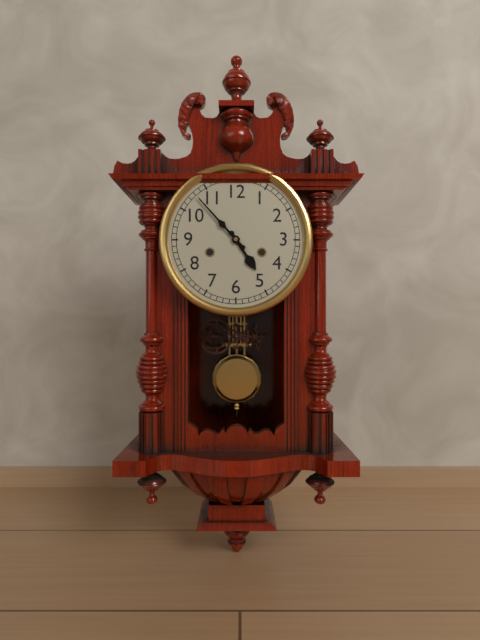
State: 4:53
